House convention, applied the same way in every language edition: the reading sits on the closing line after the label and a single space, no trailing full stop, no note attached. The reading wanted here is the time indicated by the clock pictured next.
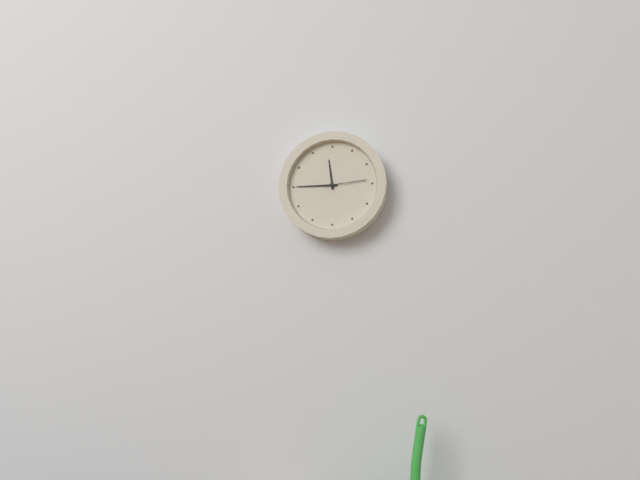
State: 11:45
